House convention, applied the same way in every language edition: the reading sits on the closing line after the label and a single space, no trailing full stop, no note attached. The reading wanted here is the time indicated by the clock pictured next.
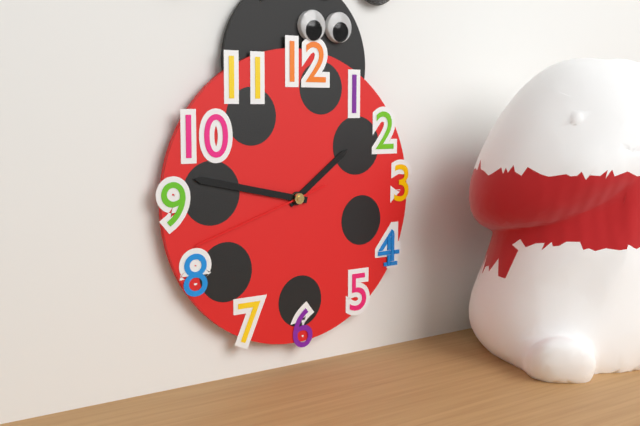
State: 1:47:42
